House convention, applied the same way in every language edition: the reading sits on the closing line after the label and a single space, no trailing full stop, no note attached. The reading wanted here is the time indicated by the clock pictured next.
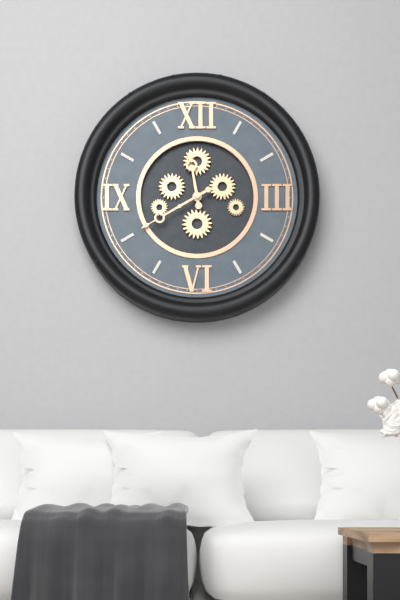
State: 11:40
